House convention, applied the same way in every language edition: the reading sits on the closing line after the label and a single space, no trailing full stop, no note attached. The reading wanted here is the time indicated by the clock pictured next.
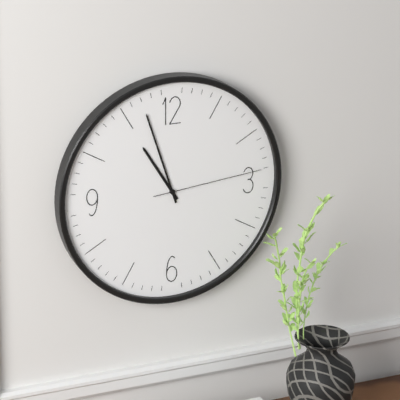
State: 10:57:14
